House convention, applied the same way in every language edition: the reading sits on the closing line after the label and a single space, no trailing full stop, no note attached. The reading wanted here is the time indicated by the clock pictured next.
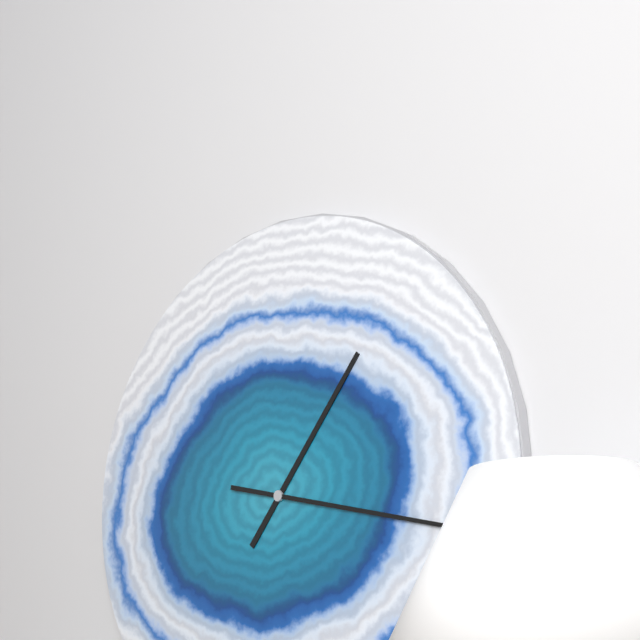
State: 1:17
